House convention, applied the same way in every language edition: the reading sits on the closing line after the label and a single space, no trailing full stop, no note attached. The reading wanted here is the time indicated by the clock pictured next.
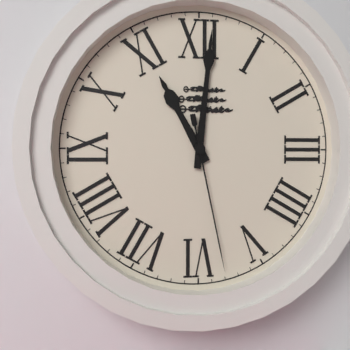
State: 11:01:28
